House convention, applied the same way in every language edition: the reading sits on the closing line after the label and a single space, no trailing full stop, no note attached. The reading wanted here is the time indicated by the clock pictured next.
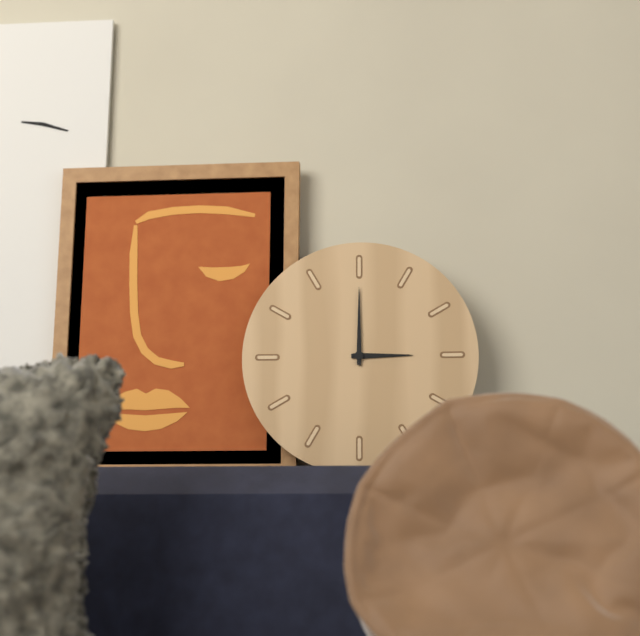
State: 3:00
